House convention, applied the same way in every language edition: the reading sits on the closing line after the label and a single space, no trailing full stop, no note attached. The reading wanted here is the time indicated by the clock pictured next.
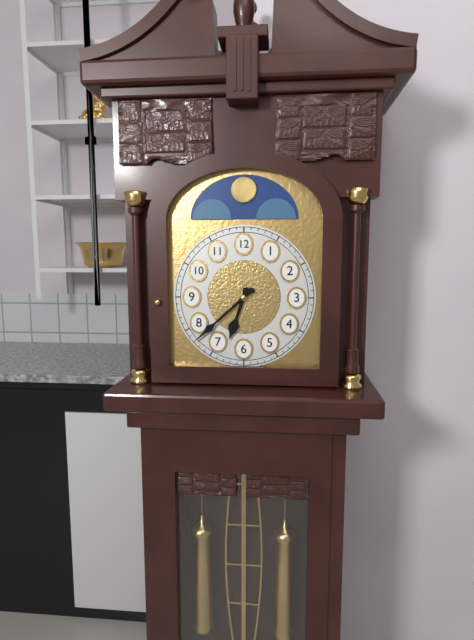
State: 6:38
